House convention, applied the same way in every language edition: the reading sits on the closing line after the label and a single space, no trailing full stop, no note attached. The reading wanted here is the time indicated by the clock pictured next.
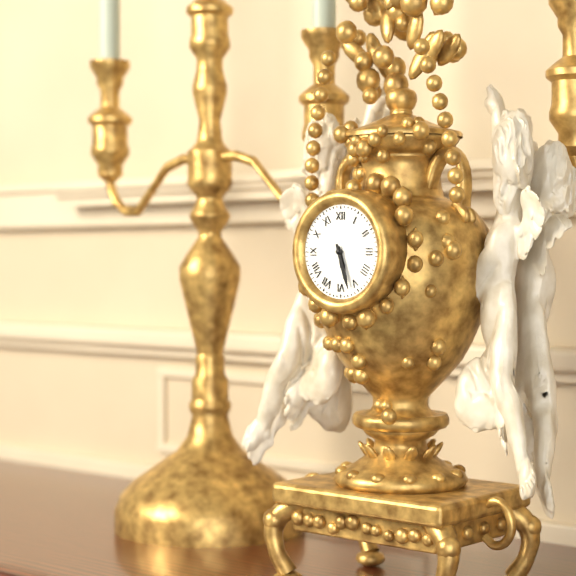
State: 5:27
